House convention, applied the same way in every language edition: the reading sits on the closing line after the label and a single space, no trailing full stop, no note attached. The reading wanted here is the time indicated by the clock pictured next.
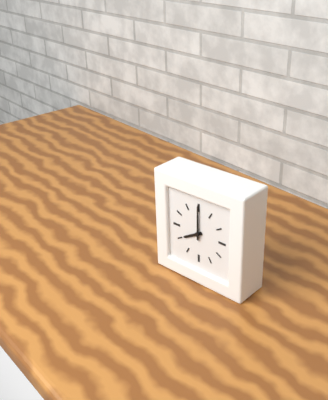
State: 8:00
